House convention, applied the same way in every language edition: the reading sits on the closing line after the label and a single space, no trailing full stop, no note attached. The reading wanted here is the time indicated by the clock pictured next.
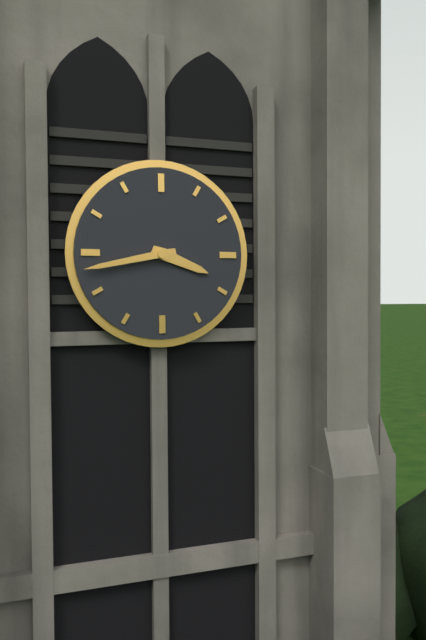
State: 3:43
